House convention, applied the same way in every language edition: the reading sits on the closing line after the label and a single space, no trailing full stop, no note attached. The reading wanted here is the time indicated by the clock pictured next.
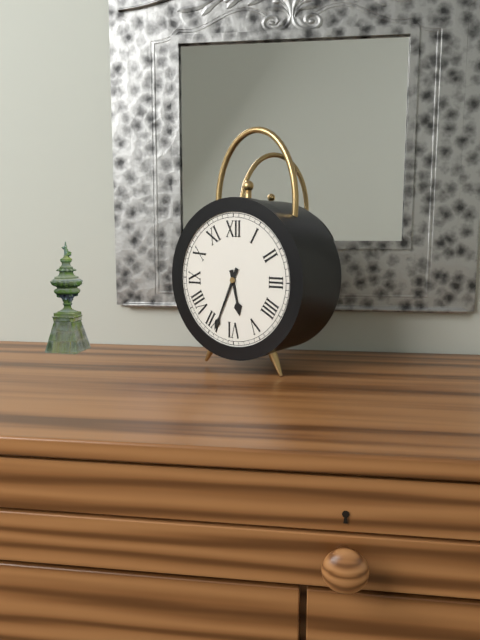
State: 5:34
